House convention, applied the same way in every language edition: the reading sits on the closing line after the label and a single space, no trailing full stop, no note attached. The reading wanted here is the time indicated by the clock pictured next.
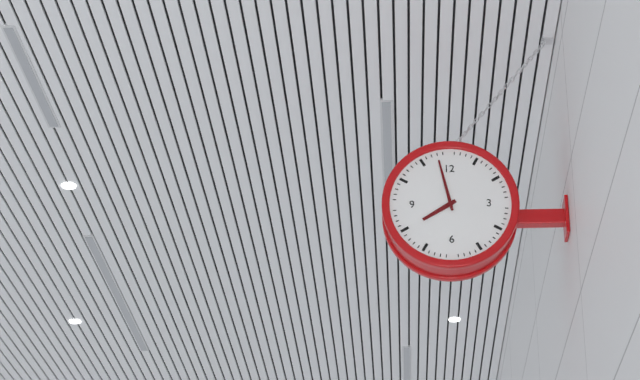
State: 7:58
